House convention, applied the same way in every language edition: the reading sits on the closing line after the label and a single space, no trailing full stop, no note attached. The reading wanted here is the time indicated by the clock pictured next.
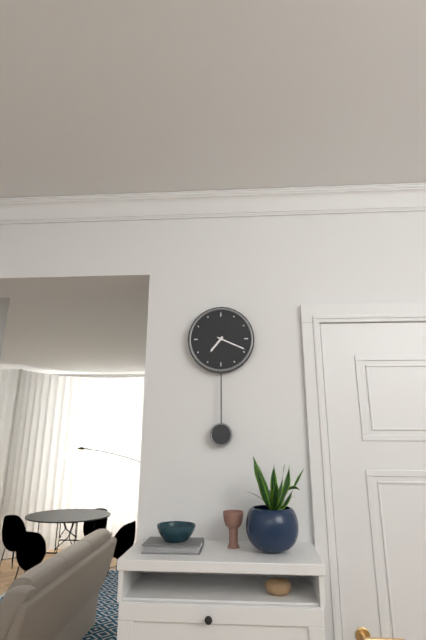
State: 7:19
